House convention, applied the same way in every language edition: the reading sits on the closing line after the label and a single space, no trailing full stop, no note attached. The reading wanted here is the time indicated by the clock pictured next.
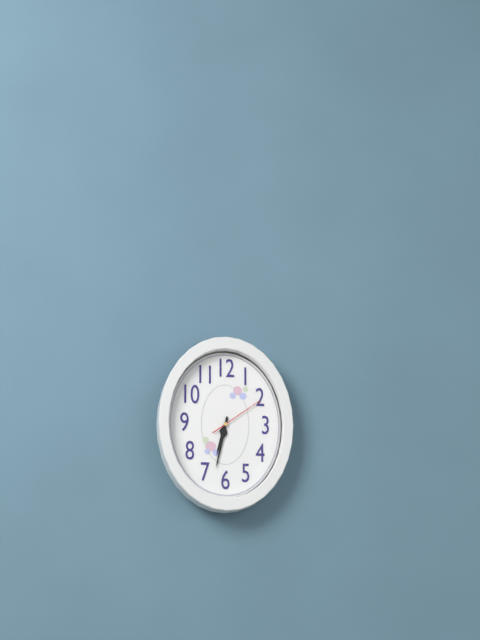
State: 6:32:09
